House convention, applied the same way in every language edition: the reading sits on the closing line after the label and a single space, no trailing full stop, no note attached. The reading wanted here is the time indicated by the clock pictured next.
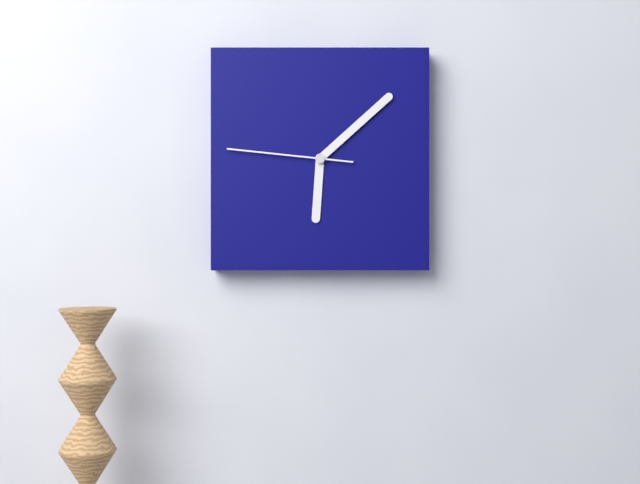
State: 6:08:46
